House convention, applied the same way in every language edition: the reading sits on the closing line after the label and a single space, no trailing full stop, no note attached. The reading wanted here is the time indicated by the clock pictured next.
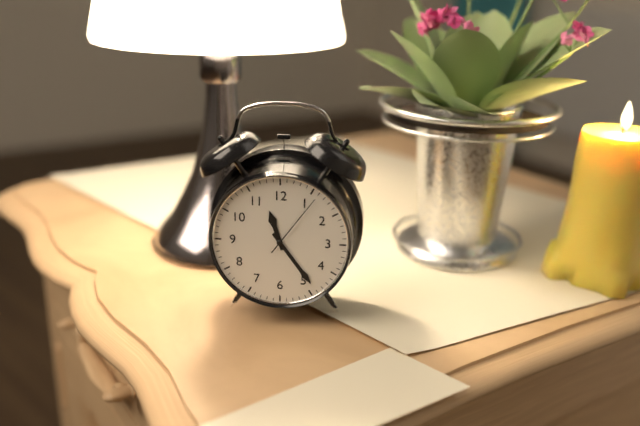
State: 11:24:06
